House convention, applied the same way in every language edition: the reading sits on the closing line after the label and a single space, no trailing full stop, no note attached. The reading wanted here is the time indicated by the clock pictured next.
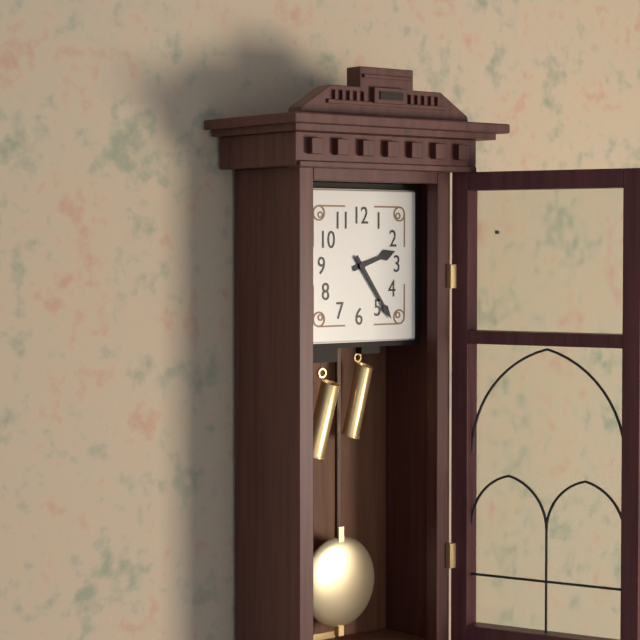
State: 2:24
